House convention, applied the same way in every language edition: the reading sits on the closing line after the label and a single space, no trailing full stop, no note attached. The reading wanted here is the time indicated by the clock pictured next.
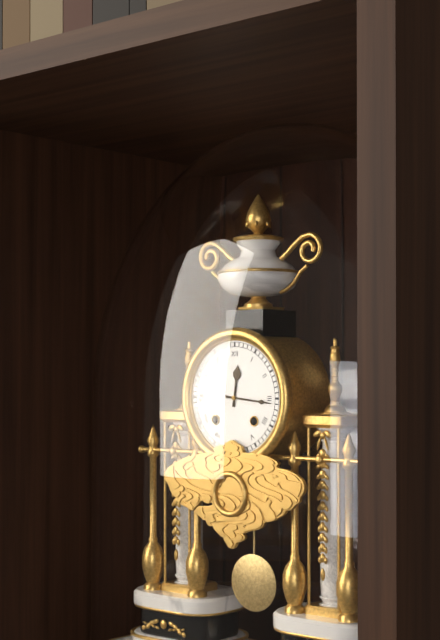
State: 12:16
